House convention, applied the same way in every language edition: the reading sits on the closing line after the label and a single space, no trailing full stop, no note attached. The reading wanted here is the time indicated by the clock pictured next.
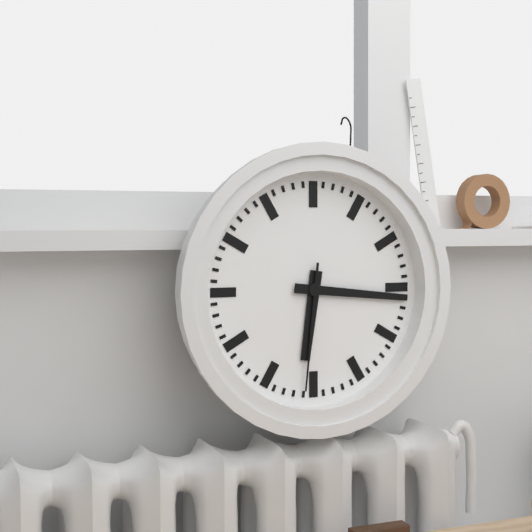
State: 6:16:31
